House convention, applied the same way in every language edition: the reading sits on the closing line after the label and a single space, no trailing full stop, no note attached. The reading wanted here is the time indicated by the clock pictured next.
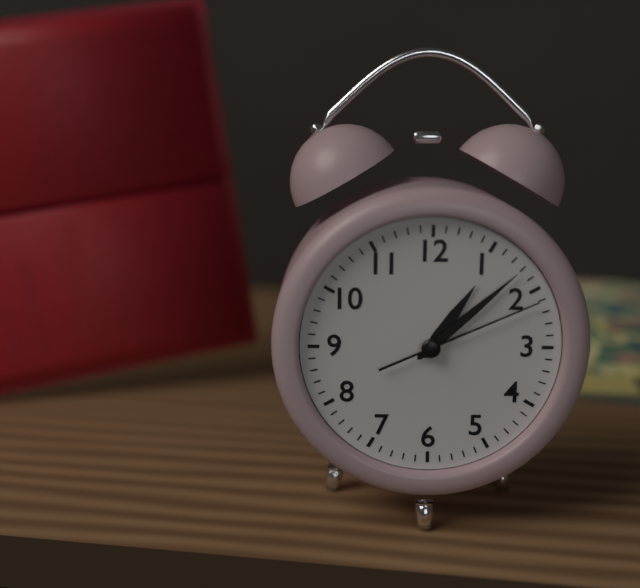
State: 1:08:11
